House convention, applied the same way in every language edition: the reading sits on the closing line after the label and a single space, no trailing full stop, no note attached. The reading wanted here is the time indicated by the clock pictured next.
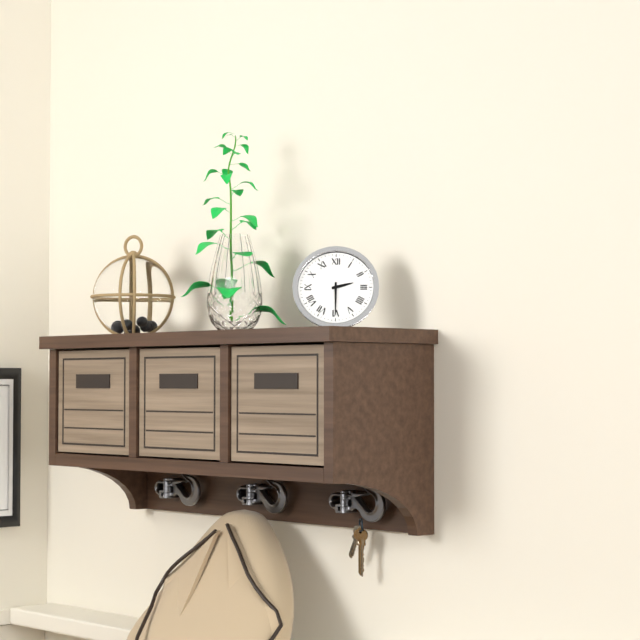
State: 2:30
